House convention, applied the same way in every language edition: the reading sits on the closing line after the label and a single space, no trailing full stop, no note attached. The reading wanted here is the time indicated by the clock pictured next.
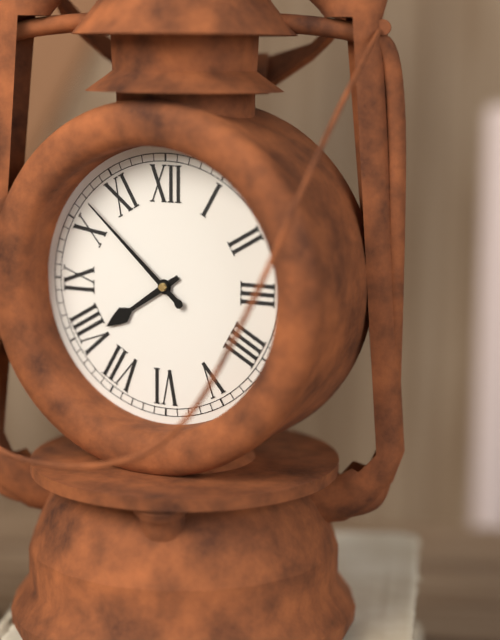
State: 7:52
